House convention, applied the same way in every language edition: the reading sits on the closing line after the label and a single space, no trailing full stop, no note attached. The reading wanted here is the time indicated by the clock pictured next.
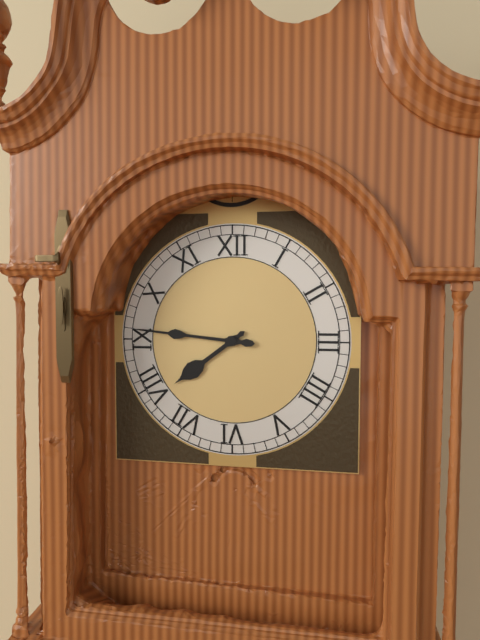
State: 7:46
